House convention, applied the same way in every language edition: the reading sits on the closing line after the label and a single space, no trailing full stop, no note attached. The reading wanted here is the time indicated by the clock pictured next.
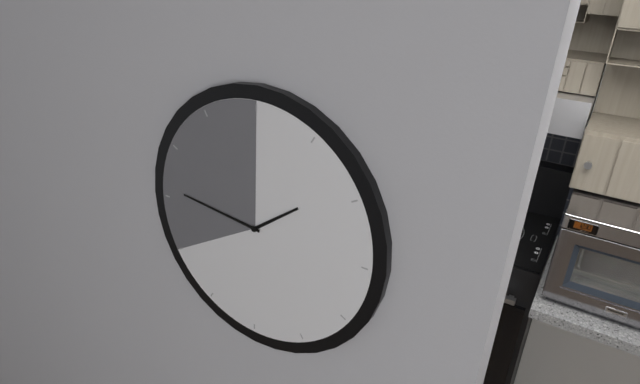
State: 1:46
